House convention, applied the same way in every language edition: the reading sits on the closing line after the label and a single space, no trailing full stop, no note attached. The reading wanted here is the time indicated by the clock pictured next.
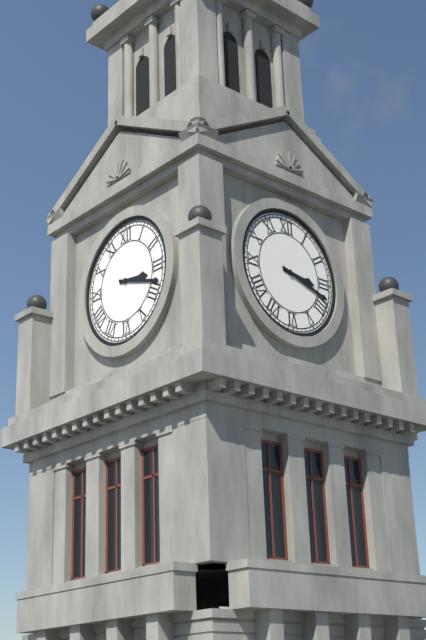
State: 3:18
